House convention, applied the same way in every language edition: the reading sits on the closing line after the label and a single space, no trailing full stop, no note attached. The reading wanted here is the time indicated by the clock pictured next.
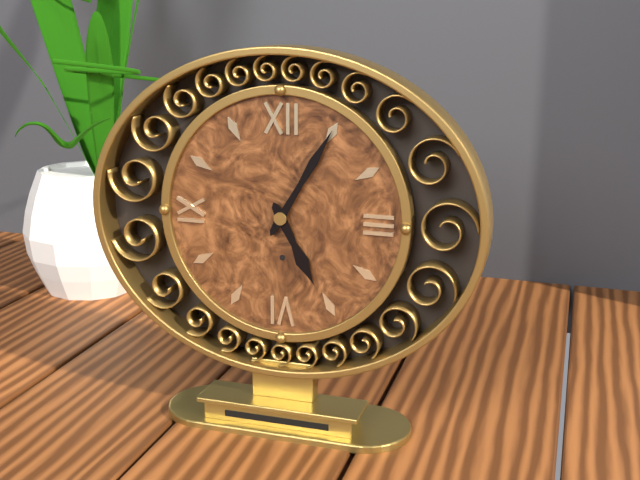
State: 5:05
